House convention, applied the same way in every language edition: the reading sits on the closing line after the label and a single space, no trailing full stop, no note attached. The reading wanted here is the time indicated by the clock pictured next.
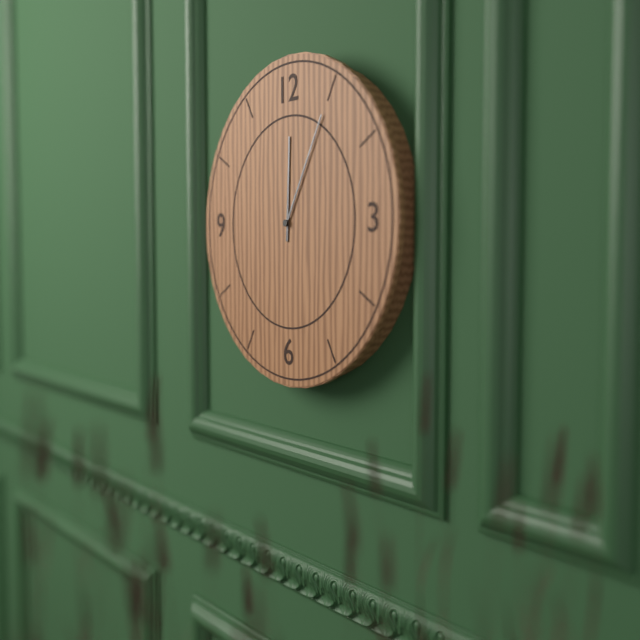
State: 12:05
